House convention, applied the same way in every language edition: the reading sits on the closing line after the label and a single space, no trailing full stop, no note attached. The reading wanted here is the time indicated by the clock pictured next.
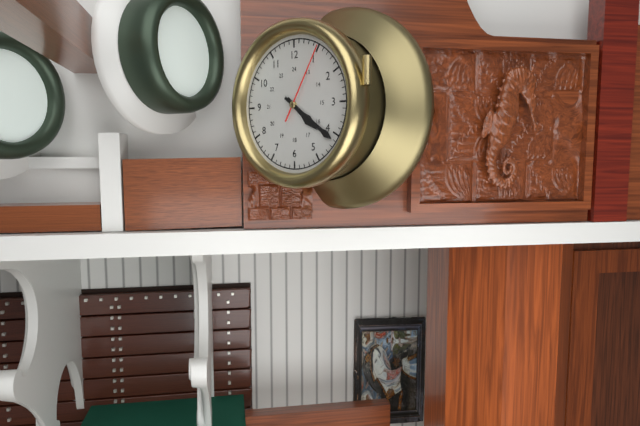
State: 4:21:05
